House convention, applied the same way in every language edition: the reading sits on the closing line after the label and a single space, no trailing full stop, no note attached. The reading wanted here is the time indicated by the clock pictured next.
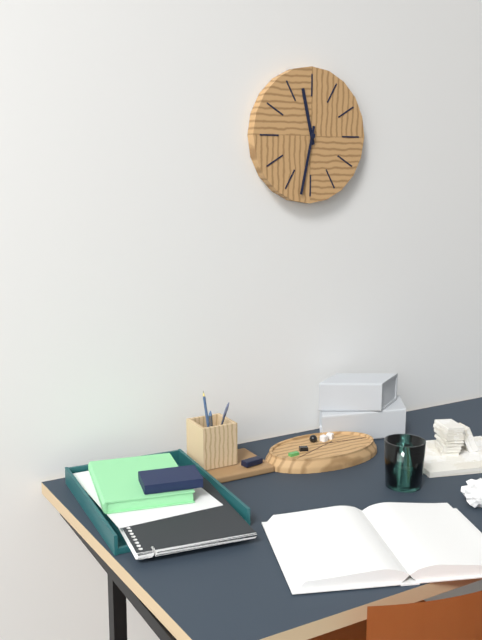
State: 11:32
